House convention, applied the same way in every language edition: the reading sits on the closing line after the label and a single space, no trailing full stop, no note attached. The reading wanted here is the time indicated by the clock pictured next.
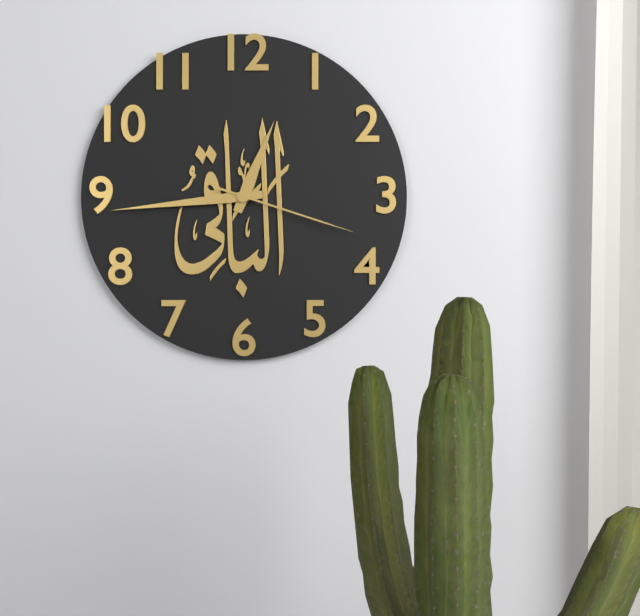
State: 12:44:18
